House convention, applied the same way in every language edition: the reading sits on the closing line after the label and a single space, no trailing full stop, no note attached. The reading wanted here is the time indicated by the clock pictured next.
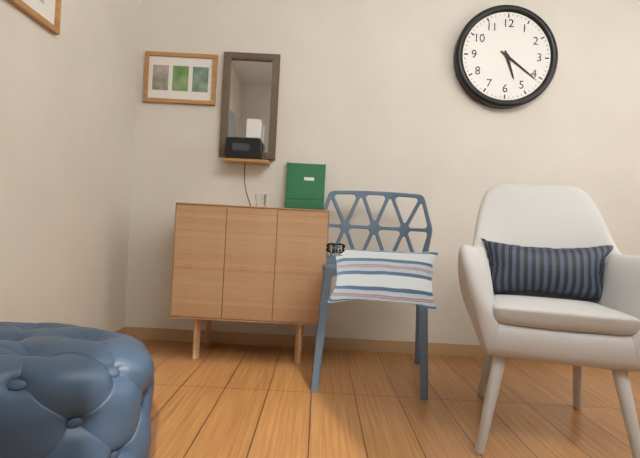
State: 5:21
